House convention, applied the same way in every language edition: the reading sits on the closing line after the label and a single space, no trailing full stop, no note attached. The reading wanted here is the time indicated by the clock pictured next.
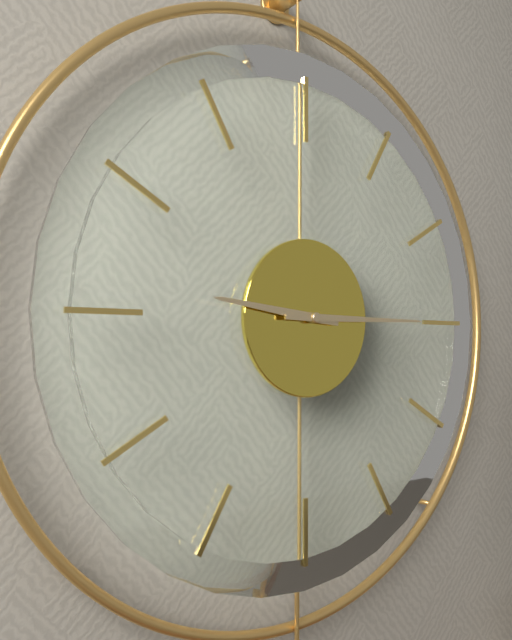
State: 9:15
